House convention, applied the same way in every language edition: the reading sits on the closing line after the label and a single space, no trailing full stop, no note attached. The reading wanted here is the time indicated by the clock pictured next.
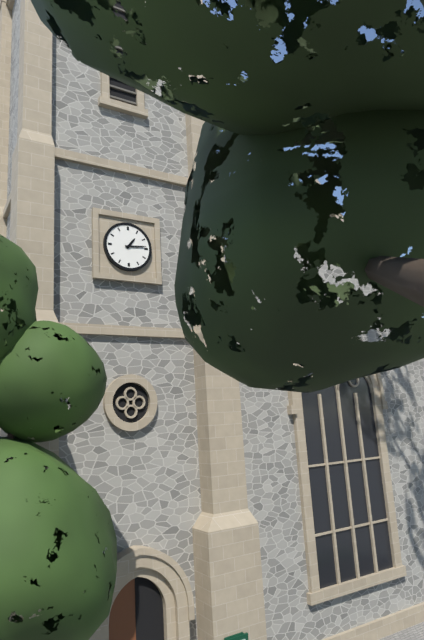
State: 1:14
